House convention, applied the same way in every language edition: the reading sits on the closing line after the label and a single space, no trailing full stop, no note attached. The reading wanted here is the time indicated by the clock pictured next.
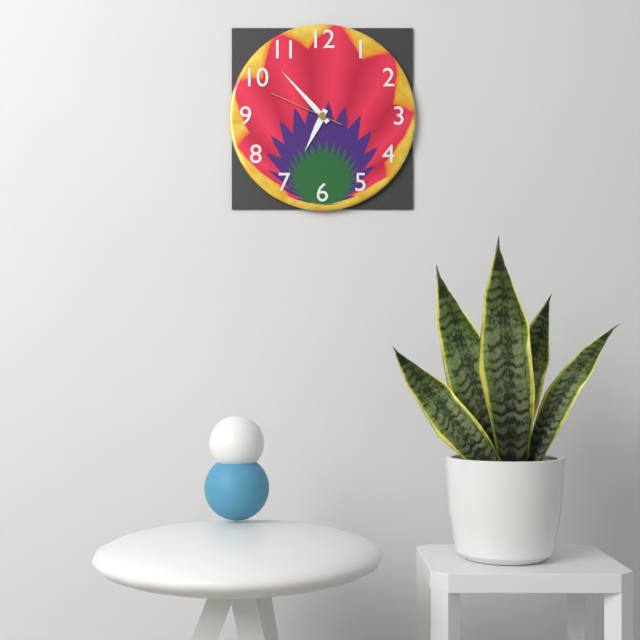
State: 6:53:49
